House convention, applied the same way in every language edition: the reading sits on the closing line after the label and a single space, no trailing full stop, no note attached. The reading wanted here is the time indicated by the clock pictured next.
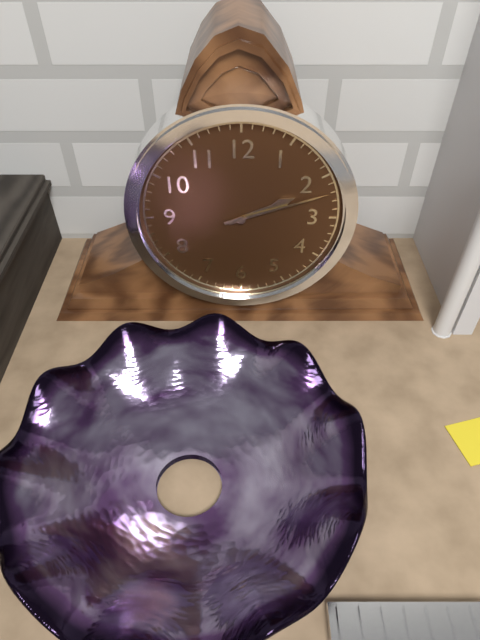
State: 2:12
